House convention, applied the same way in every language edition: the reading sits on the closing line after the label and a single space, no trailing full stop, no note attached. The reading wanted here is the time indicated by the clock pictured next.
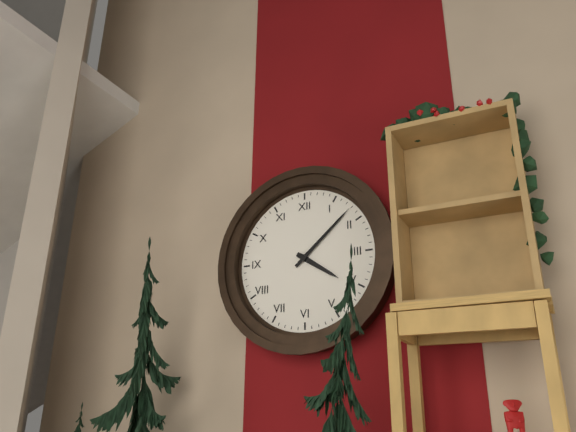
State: 4:08
